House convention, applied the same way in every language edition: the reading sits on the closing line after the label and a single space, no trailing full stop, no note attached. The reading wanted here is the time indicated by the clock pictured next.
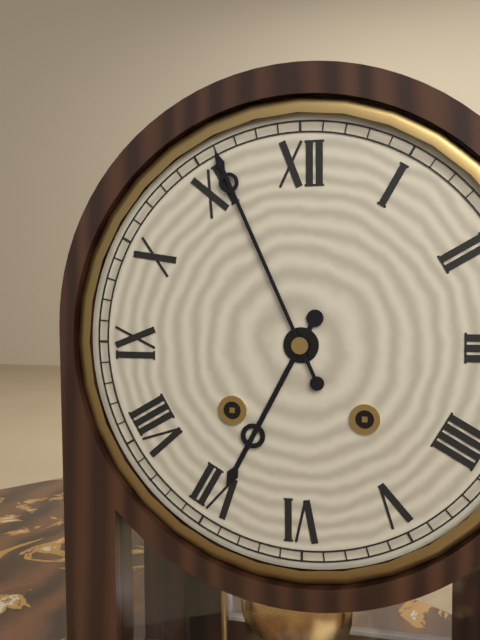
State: 6:56
